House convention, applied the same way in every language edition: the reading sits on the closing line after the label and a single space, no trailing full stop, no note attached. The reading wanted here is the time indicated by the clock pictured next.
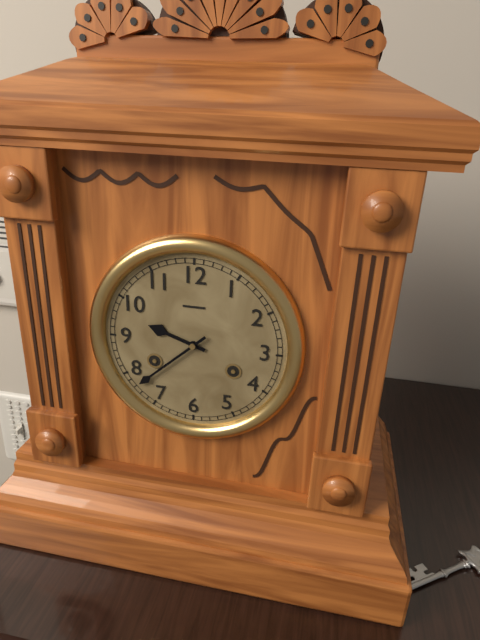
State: 9:38
